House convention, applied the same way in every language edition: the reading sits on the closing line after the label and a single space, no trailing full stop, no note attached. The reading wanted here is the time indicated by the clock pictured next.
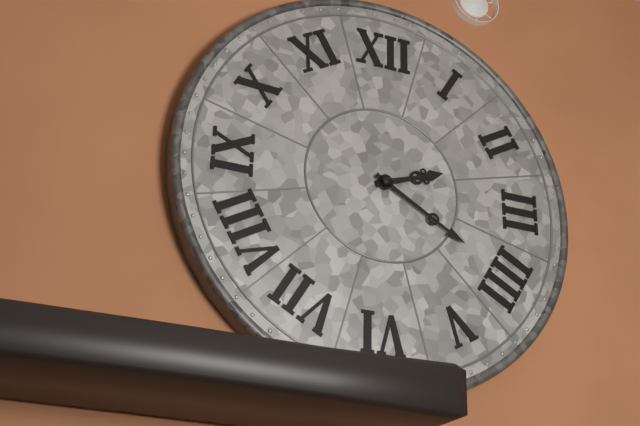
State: 2:20
